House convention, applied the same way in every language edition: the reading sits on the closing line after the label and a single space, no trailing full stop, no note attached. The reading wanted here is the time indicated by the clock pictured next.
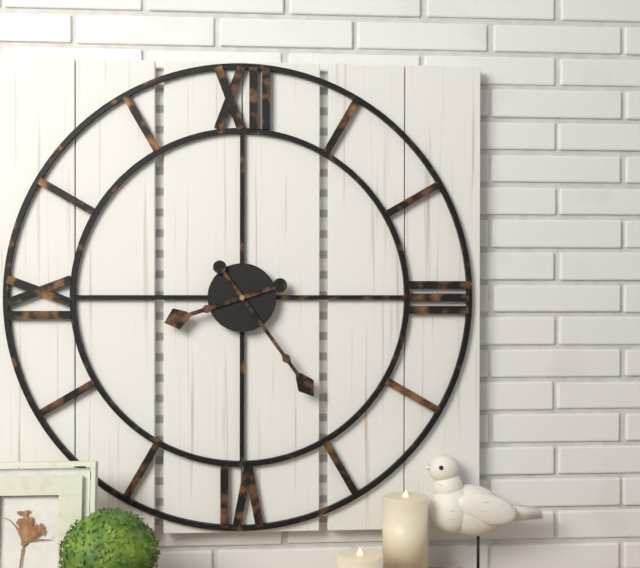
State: 8:24
